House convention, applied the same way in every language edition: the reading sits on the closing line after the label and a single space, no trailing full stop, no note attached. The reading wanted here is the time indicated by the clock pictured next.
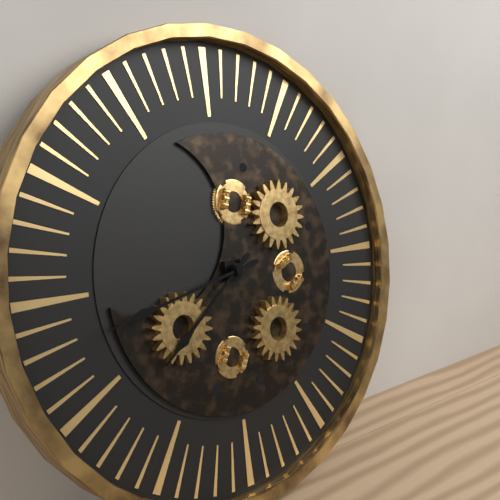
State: 7:43
